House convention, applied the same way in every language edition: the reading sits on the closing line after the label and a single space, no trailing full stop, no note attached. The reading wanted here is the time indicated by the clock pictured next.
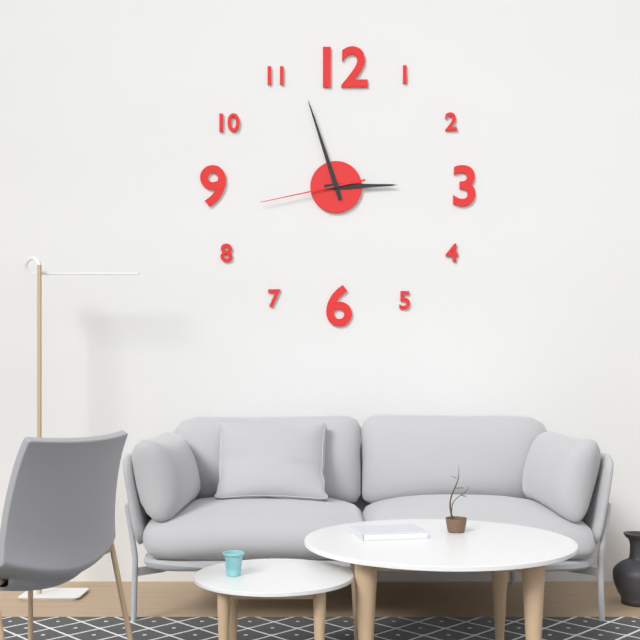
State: 2:57:43
